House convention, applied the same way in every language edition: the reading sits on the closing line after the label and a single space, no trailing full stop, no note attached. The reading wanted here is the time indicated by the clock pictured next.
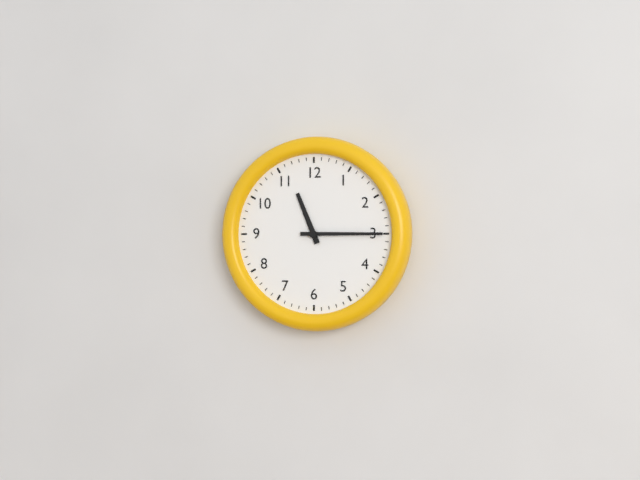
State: 11:15
